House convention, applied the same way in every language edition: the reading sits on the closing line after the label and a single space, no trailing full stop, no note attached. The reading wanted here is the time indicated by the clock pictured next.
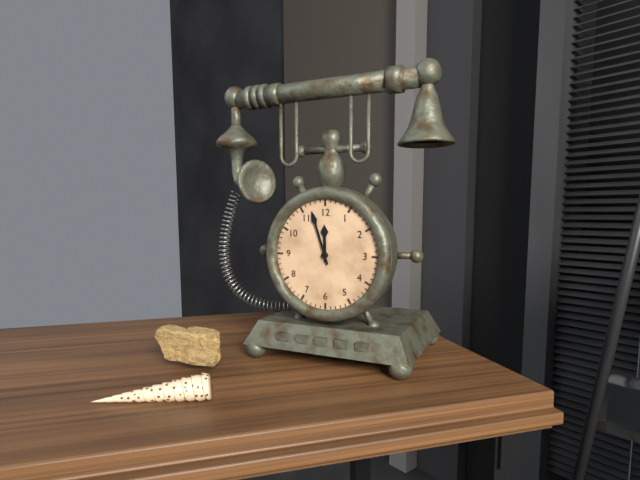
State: 11:57
